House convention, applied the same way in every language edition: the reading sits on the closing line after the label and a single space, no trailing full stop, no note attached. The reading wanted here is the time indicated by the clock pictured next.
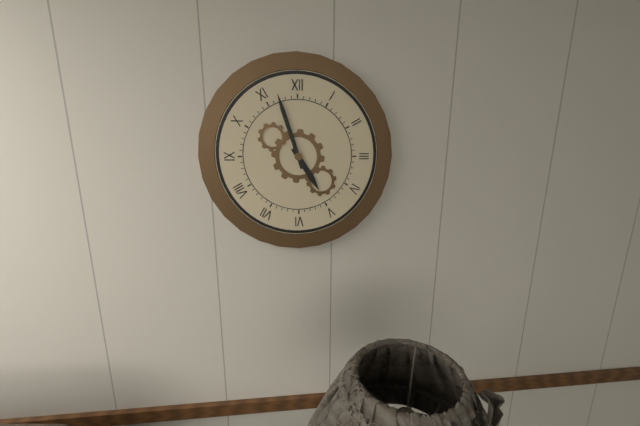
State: 4:57
